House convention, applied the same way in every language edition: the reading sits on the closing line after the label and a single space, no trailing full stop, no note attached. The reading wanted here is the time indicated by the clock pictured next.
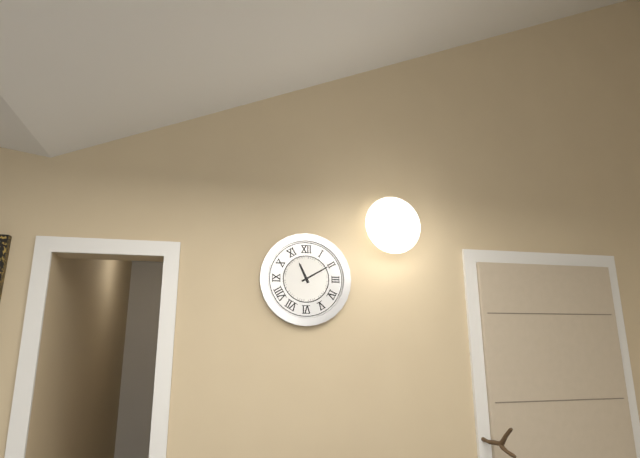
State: 11:10
